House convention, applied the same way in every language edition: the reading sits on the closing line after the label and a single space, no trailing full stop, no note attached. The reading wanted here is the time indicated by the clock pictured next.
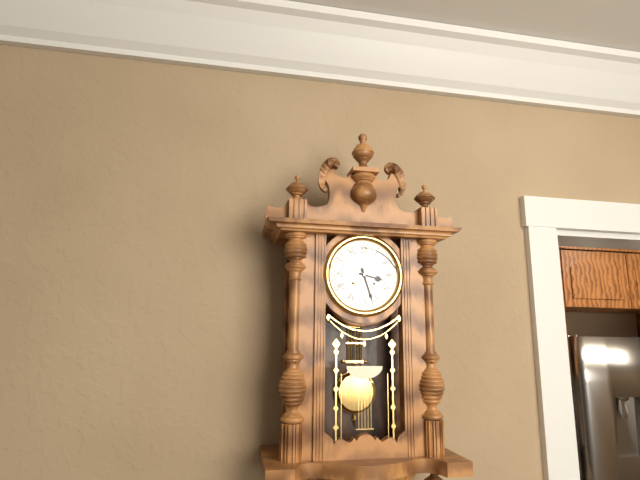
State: 3:27
